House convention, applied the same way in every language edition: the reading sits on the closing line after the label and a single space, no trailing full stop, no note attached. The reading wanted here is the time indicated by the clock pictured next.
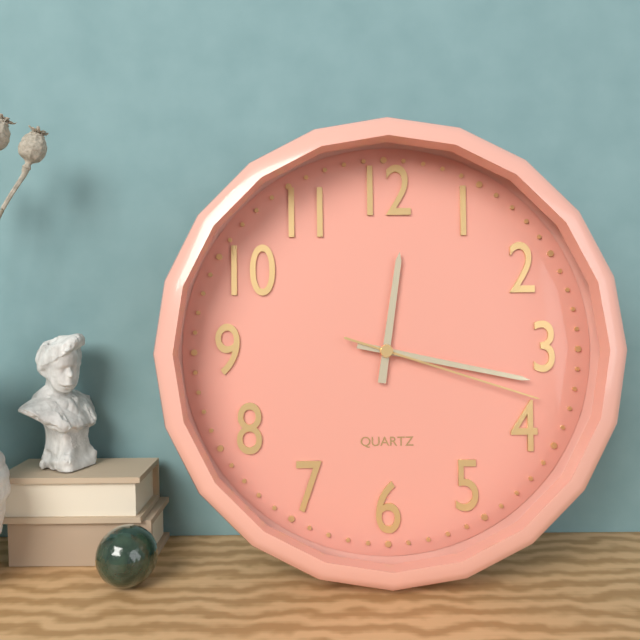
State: 12:17:18
